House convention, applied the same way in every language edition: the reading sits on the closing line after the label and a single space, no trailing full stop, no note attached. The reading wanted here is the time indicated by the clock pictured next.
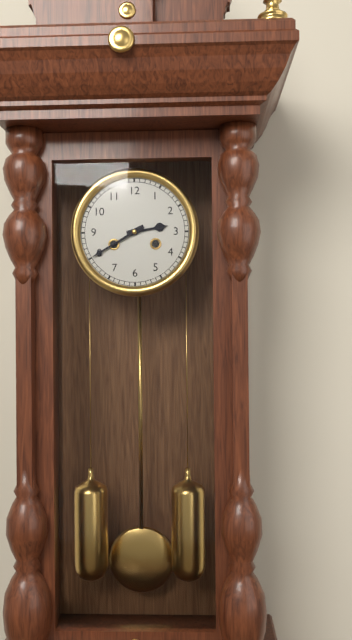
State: 2:40
